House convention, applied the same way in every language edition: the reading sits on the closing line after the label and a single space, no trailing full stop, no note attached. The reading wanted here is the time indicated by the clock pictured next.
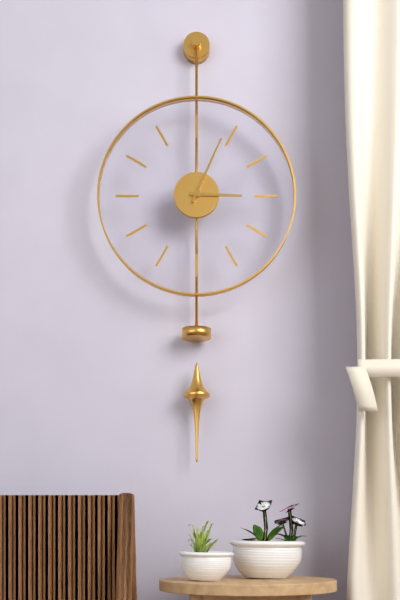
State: 3:04
